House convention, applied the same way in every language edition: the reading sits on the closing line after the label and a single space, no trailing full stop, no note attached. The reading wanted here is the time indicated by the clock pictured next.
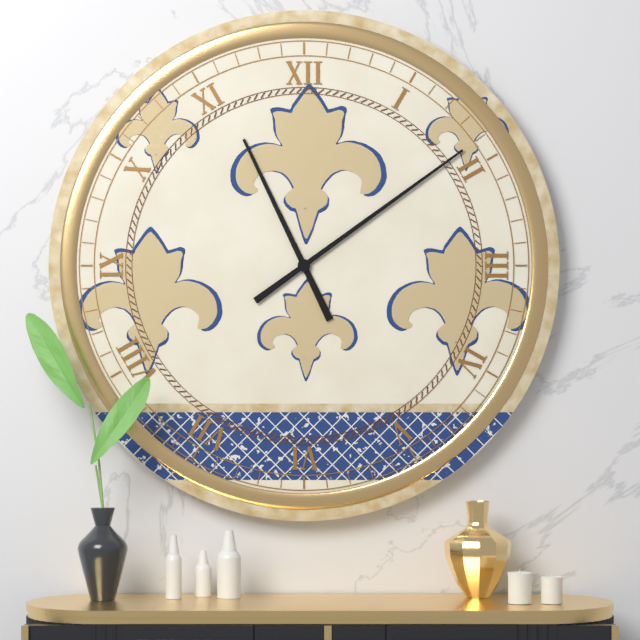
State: 11:09
